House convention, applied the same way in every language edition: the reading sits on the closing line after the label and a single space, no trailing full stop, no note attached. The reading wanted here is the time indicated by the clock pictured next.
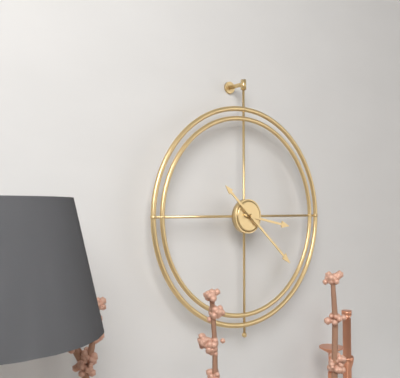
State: 3:22
